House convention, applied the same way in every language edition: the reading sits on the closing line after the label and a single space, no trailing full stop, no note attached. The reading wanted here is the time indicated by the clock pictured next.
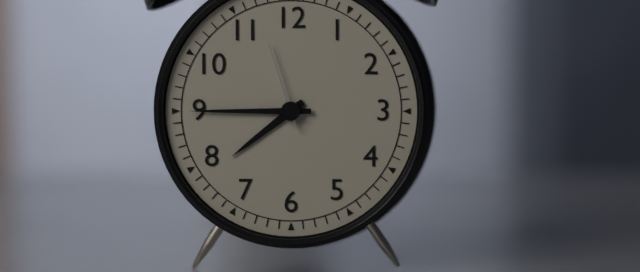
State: 7:45:57
